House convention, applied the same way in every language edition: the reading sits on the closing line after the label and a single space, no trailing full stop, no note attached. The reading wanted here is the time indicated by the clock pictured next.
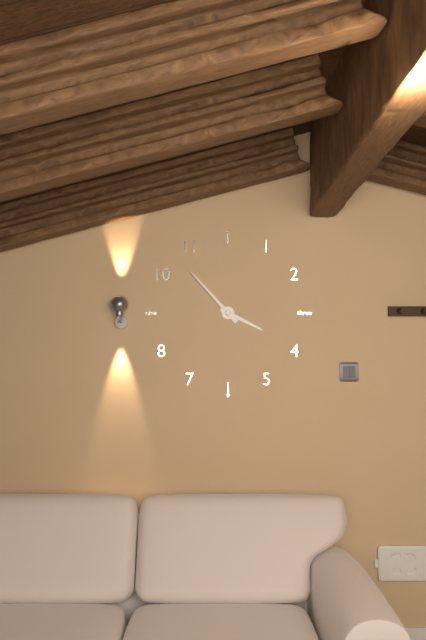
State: 3:53
